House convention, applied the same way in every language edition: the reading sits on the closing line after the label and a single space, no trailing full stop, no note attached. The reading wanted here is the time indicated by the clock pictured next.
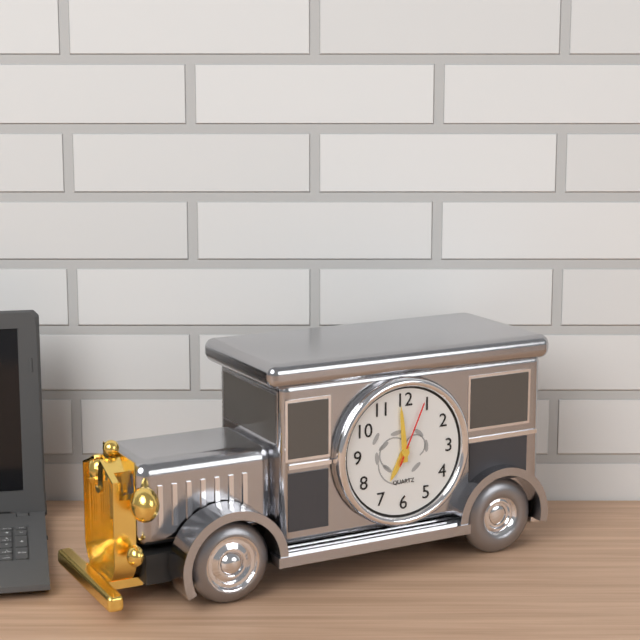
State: 6:59:04
